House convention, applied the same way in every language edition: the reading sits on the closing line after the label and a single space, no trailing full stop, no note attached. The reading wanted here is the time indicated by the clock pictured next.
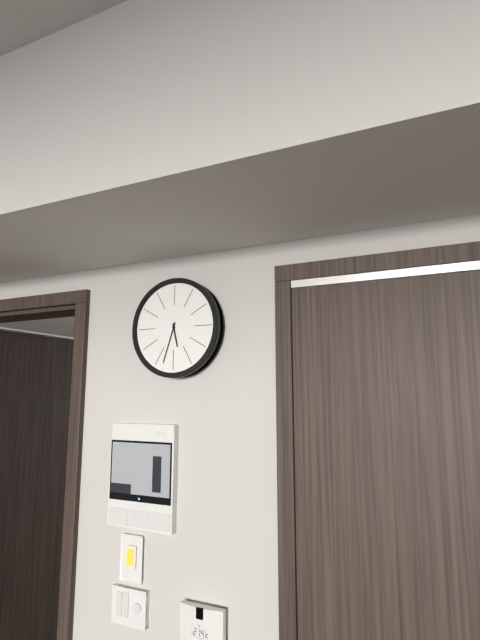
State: 5:33
